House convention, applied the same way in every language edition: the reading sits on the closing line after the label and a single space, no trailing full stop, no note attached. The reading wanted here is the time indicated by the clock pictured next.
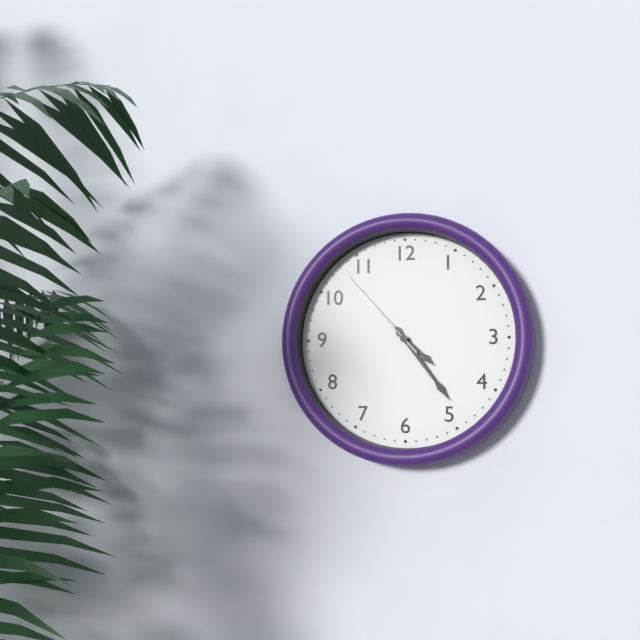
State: 4:24:53
